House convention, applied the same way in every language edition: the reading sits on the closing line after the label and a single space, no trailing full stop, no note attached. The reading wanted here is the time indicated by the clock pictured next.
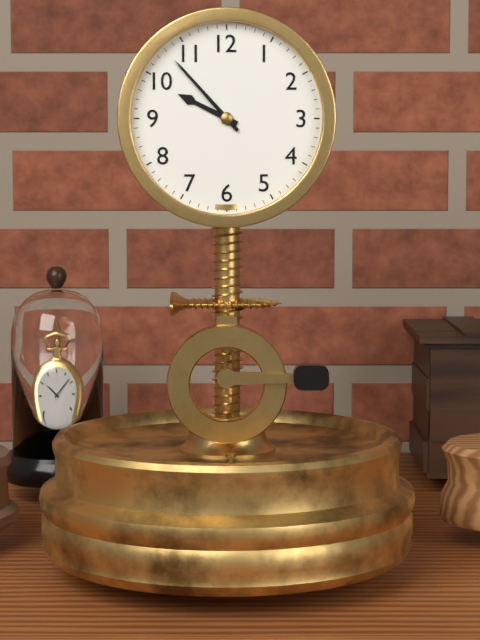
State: 9:53
